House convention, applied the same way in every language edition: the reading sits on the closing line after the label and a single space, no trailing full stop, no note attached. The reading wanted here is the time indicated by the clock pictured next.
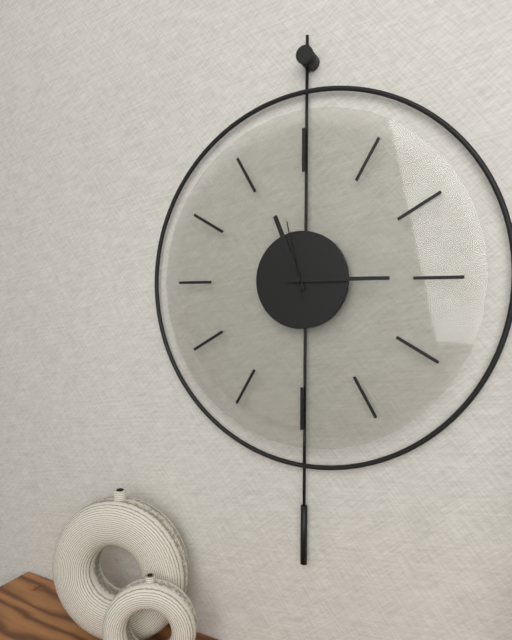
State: 11:15:58
